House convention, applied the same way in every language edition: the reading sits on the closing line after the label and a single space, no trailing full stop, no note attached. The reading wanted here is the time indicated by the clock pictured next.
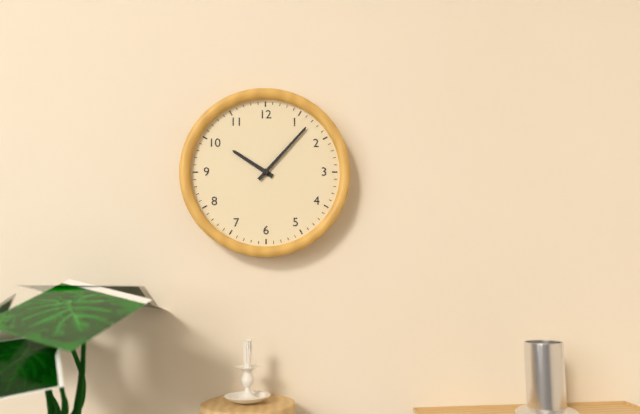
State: 10:07
